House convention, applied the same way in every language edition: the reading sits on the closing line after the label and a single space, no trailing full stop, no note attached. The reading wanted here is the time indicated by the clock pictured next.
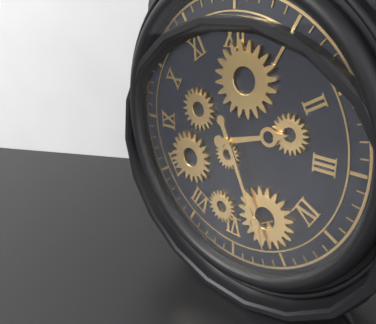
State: 2:26
